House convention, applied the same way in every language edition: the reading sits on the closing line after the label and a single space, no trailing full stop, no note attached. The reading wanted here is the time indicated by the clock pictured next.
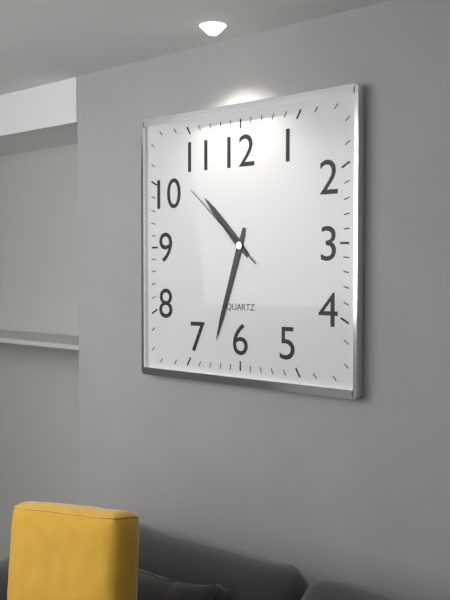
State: 10:33:52
